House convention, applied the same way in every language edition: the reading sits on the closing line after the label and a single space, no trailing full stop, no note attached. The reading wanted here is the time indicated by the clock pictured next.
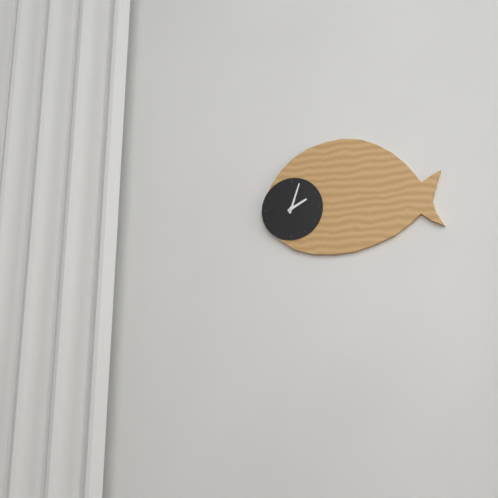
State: 2:03
